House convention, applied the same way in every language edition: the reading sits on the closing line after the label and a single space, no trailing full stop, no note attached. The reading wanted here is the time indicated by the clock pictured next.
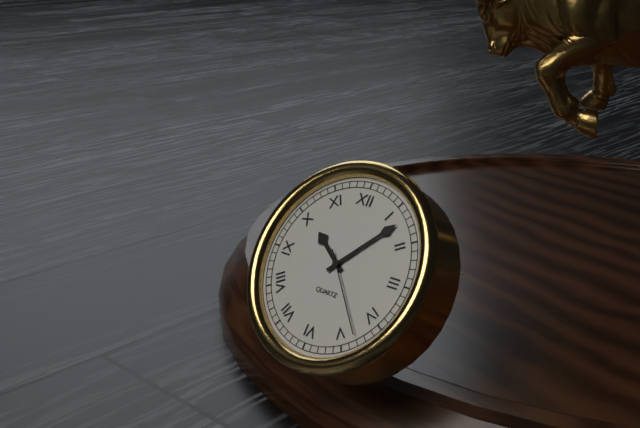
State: 10:07:23
